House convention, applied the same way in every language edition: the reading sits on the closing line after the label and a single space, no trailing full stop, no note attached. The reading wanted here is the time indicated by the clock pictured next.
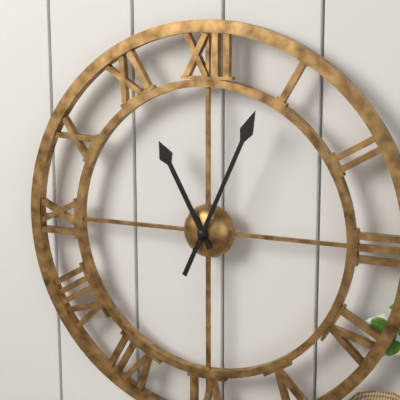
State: 11:04
